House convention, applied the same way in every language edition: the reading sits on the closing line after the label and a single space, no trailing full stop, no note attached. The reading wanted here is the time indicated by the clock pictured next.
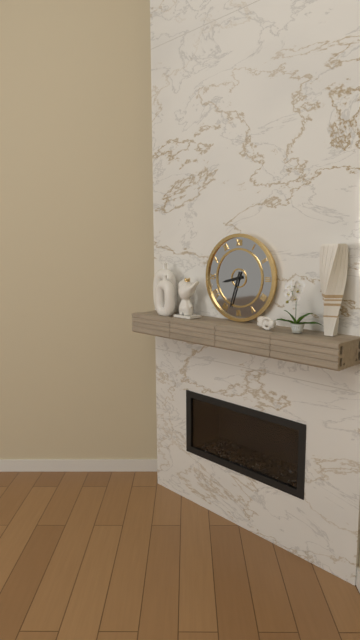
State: 8:33
